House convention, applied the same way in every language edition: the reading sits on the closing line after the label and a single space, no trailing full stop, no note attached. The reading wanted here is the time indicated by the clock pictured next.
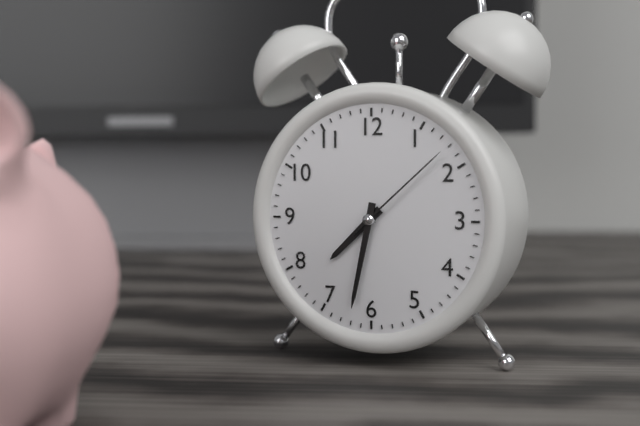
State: 7:32:08
